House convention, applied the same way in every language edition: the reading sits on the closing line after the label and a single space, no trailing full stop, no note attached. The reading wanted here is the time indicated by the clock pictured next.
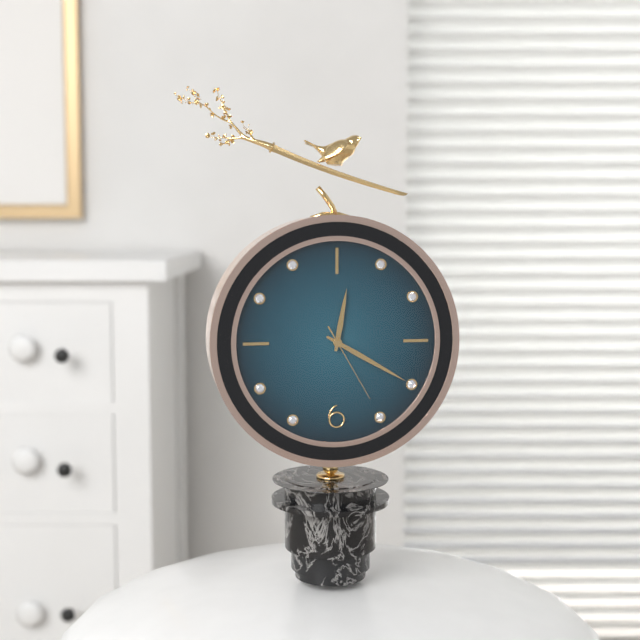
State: 12:20:25
